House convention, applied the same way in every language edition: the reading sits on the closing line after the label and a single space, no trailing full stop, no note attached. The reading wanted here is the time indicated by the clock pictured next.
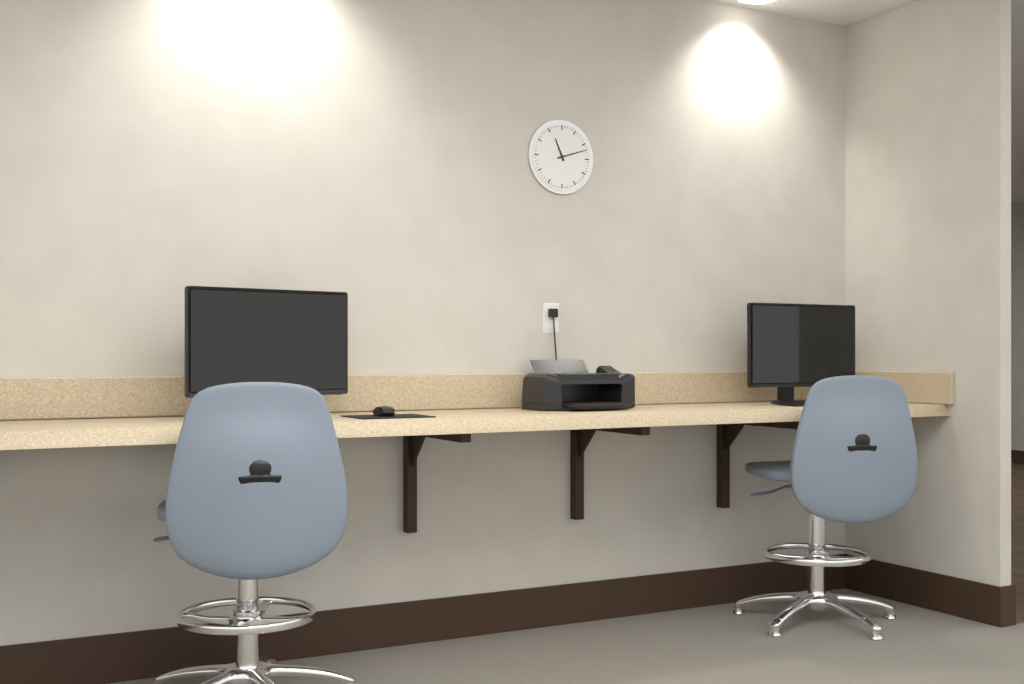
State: 11:12
